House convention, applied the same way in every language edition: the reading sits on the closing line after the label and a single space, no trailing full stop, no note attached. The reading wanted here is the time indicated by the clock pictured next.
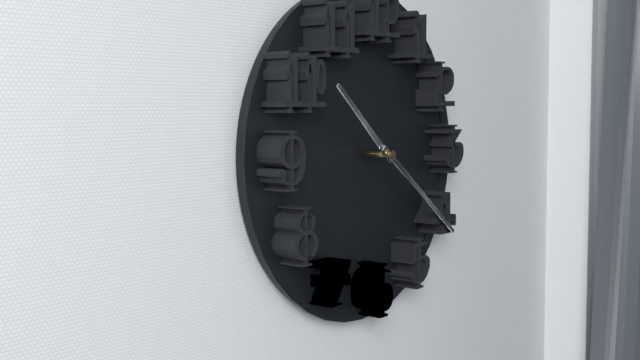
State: 10:21
